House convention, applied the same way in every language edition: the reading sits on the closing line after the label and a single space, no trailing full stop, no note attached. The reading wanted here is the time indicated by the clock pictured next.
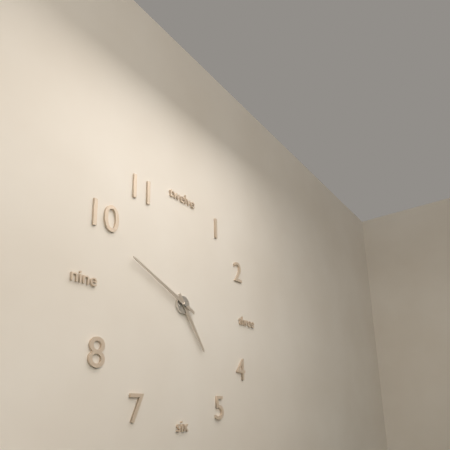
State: 4:49
